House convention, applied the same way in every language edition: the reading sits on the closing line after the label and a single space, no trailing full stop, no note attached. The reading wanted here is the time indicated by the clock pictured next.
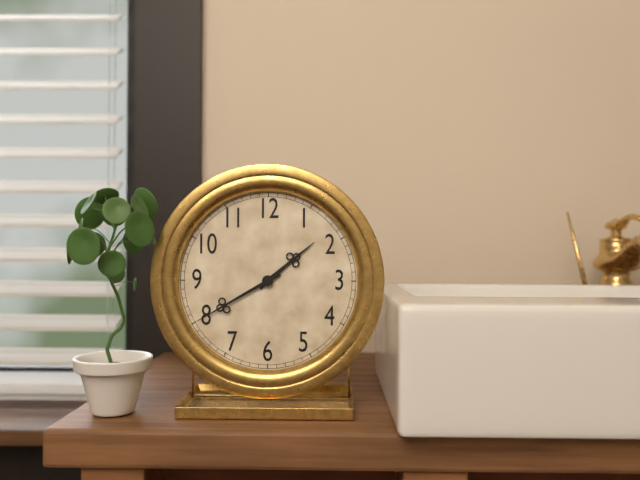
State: 1:40
